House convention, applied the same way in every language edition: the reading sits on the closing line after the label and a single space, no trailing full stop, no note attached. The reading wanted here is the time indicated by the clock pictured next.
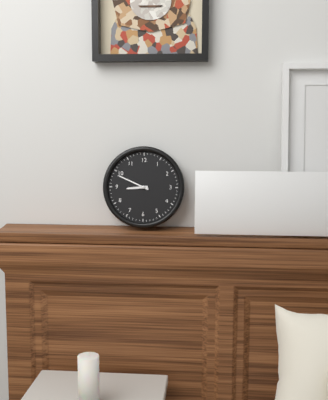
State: 8:49
